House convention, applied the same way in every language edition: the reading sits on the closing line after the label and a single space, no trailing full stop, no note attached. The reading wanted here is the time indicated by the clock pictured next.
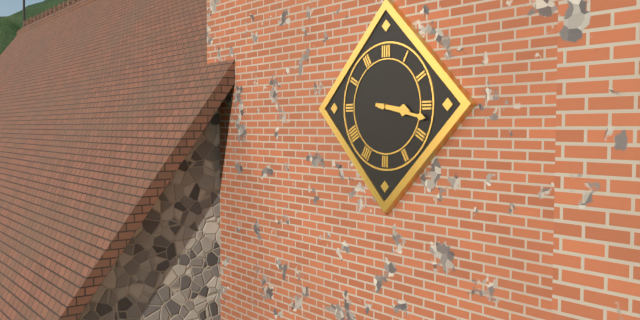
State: 3:17
